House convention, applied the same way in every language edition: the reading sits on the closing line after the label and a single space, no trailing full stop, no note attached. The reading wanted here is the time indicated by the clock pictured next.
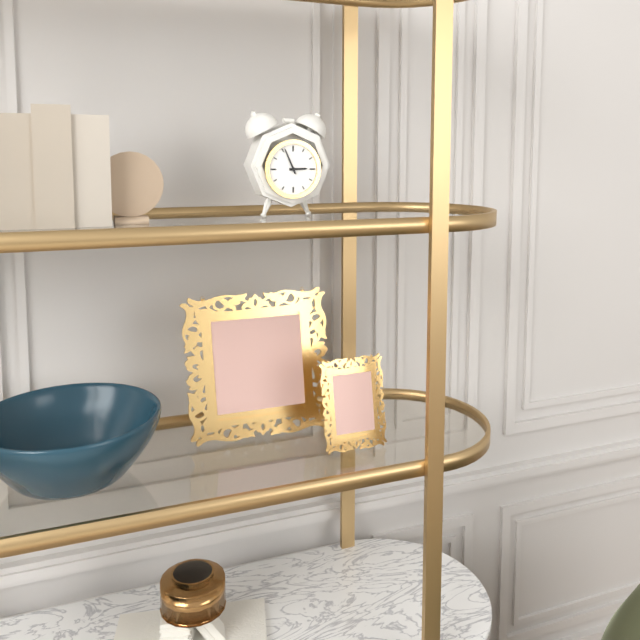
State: 2:56
